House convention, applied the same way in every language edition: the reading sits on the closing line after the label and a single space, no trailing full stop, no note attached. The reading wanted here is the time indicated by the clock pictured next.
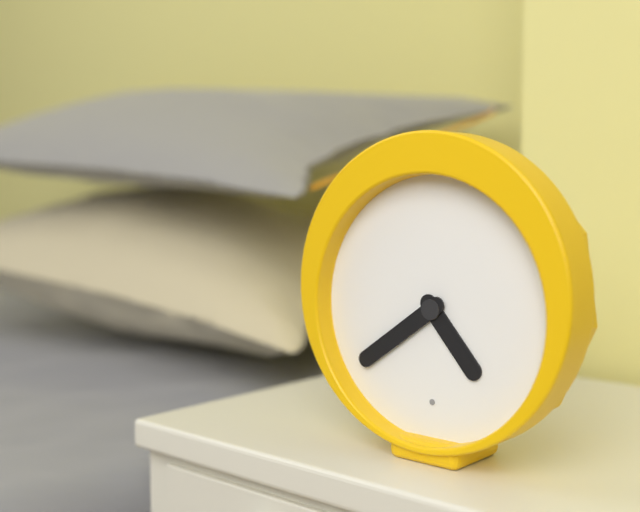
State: 4:39
